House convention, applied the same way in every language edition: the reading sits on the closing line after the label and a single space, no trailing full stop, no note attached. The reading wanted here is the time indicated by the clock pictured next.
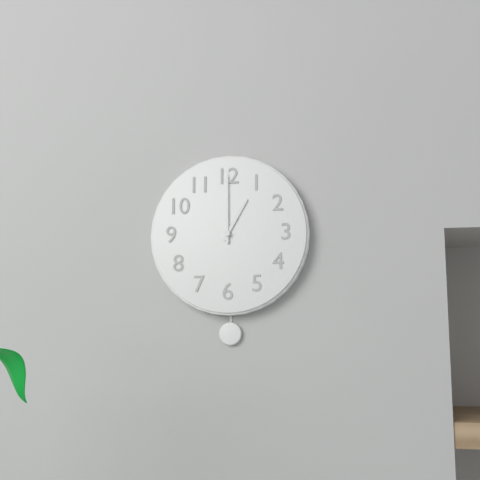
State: 1:00
